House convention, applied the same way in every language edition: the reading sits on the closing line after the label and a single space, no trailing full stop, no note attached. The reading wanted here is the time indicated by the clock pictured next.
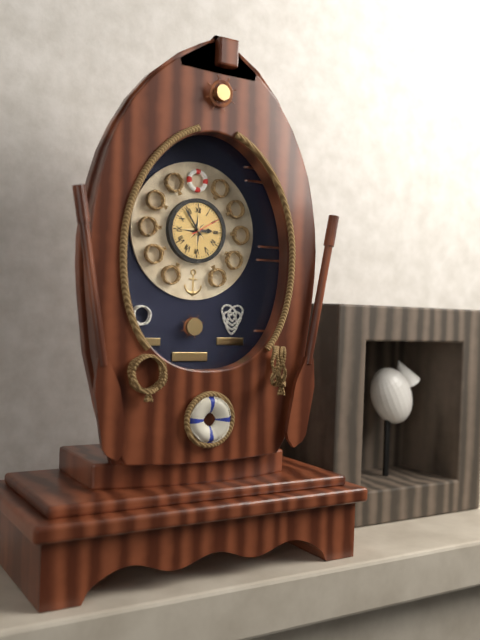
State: 2:54
